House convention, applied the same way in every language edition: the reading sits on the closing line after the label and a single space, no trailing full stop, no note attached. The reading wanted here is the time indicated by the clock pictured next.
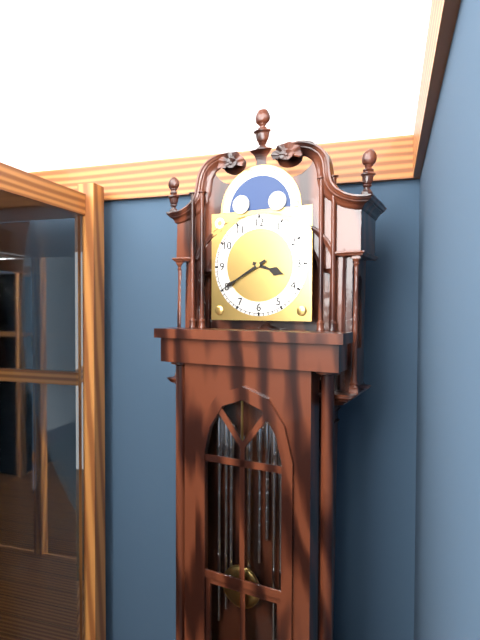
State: 3:40
